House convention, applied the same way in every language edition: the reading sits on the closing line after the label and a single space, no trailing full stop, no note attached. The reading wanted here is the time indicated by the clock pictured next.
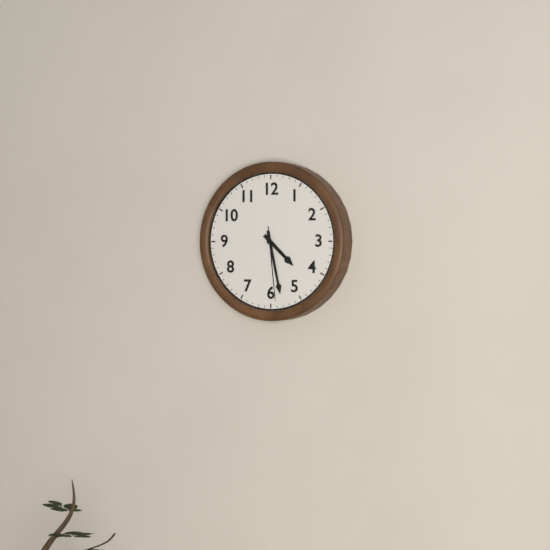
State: 4:28:29
